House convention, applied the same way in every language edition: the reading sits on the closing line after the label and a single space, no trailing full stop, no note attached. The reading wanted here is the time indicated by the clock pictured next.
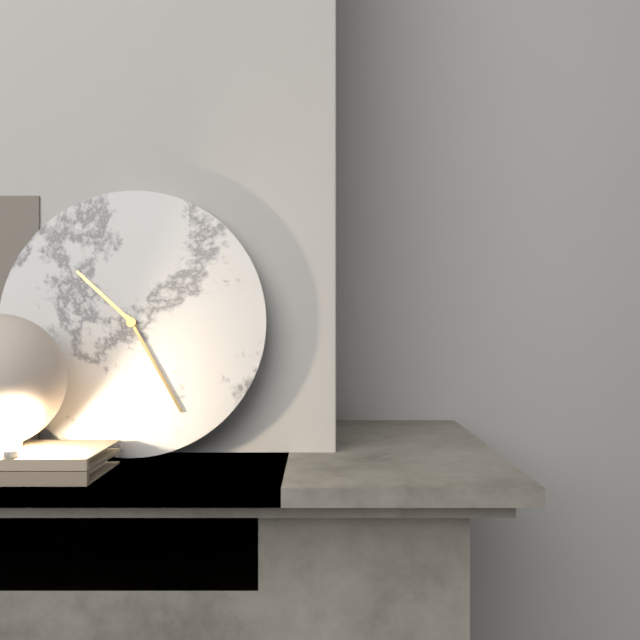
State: 10:25
